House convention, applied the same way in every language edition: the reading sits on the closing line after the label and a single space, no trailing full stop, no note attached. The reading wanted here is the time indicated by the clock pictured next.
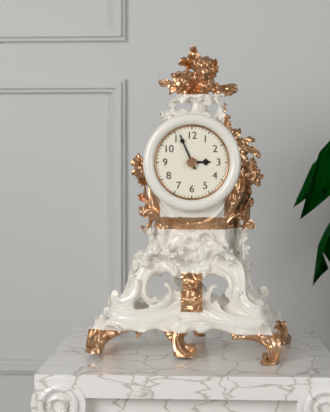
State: 2:56
